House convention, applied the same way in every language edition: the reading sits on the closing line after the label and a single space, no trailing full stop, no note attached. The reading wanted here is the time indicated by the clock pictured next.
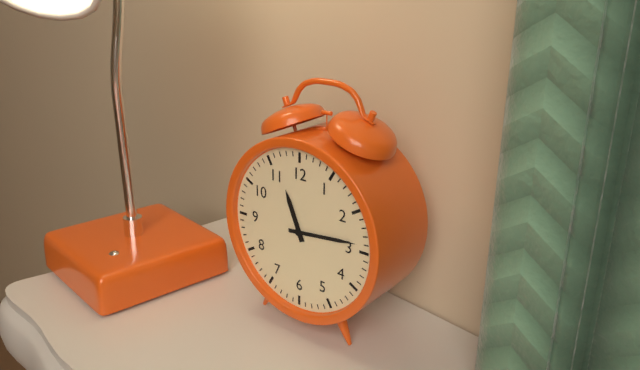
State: 11:14
